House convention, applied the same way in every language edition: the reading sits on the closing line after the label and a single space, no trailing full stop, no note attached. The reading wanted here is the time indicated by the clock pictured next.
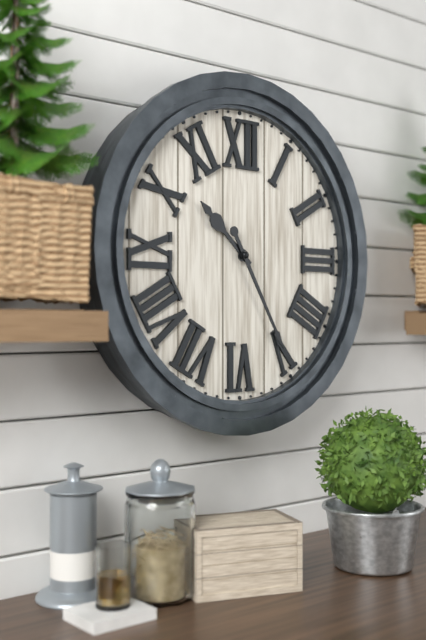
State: 10:25
